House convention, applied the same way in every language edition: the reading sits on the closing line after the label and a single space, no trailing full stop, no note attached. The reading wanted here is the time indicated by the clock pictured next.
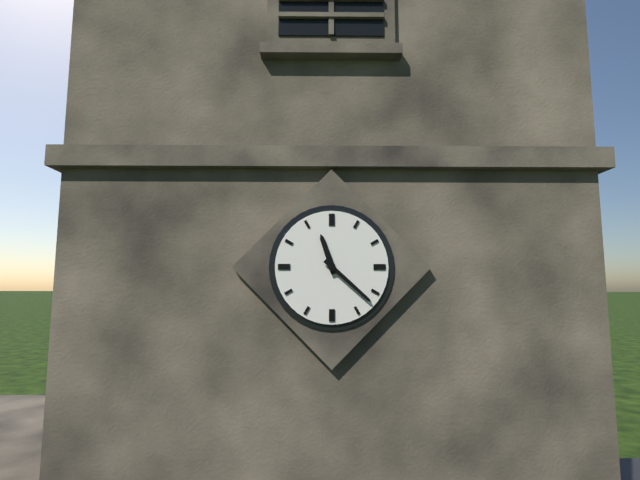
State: 11:22
